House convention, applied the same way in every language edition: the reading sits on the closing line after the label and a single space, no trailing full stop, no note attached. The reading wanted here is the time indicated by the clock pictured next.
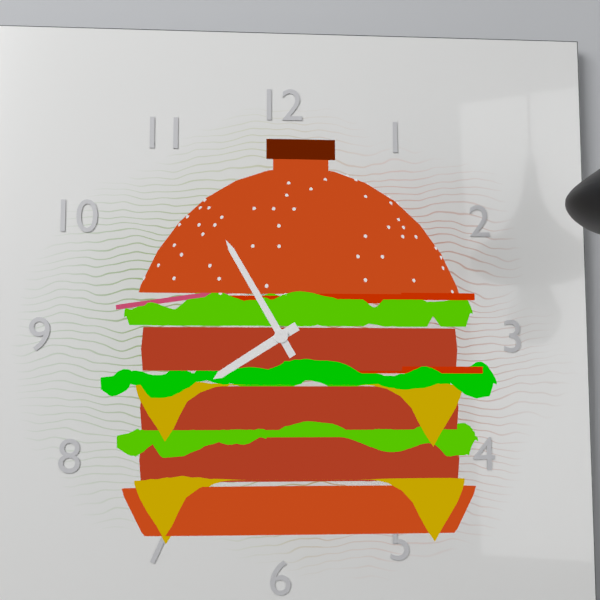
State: 7:55
